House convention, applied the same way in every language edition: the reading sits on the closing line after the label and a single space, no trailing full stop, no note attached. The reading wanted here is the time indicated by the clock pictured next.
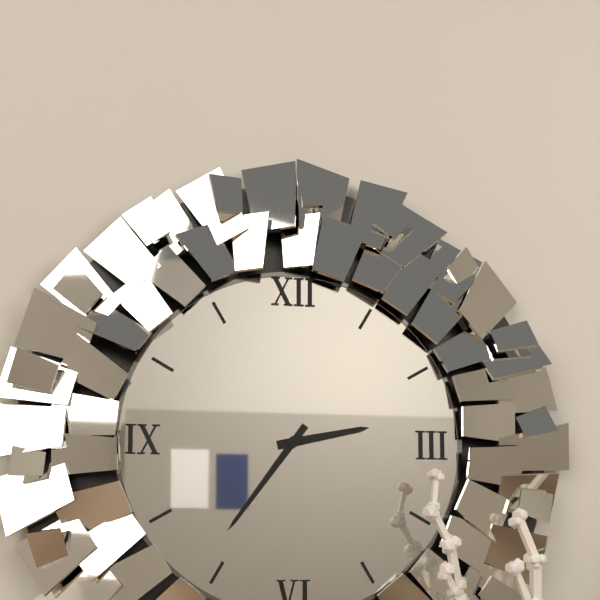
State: 2:36
